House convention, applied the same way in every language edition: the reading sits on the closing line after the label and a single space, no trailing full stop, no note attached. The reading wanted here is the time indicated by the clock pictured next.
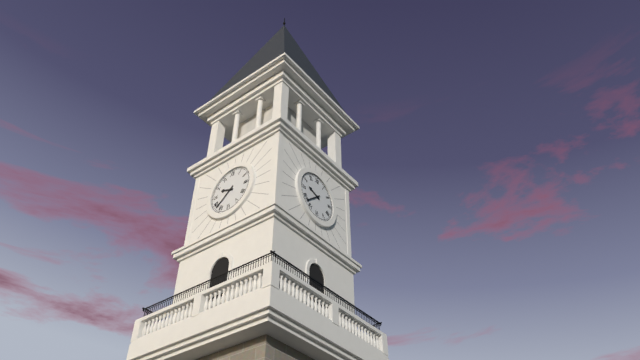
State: 9:38
